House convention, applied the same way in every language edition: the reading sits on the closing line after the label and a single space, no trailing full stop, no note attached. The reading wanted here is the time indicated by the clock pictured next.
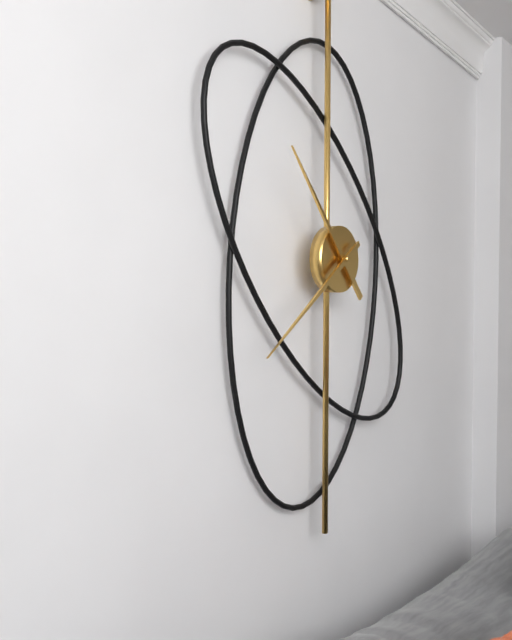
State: 10:39
